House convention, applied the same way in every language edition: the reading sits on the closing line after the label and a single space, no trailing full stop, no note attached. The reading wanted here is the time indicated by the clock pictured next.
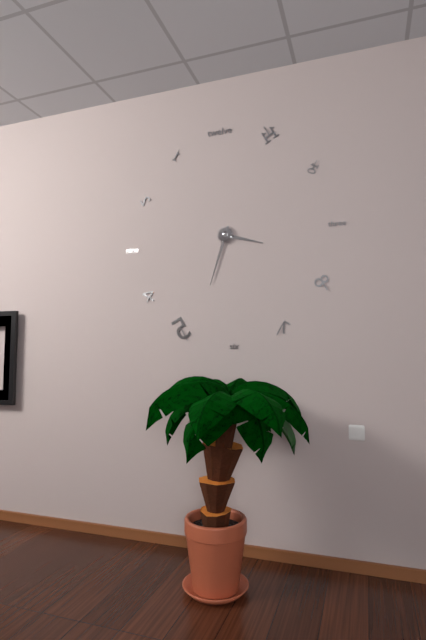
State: 3:33
